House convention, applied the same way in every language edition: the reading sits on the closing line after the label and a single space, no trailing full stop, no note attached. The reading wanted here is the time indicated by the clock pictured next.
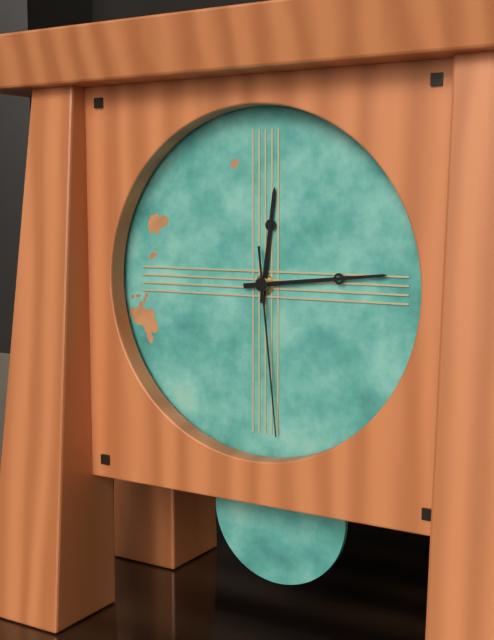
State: 12:14:29
